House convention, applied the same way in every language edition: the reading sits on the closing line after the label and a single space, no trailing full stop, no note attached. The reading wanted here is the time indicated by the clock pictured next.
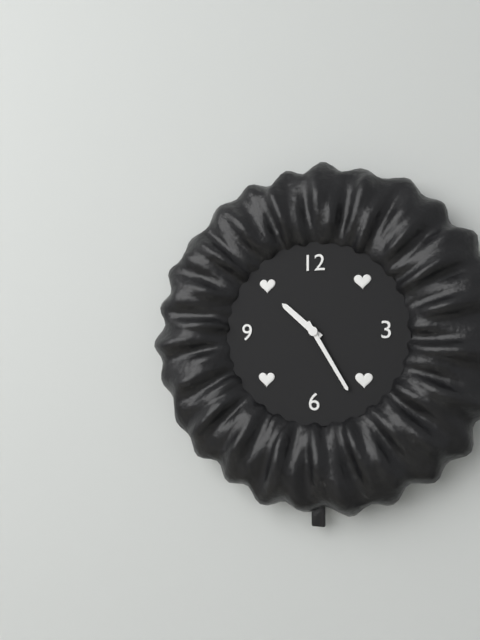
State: 10:25
